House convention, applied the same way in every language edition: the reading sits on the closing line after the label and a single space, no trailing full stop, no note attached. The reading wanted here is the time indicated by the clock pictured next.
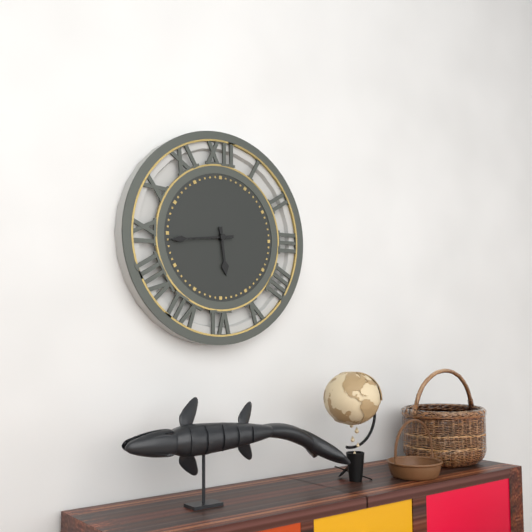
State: 5:44
